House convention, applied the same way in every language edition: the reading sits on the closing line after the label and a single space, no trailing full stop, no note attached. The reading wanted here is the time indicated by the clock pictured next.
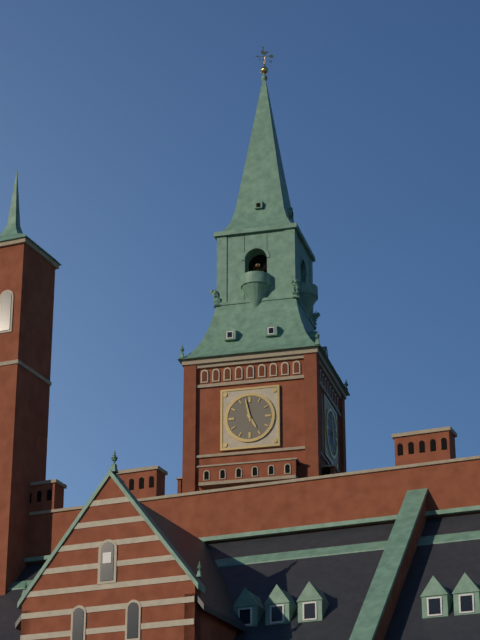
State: 4:58
